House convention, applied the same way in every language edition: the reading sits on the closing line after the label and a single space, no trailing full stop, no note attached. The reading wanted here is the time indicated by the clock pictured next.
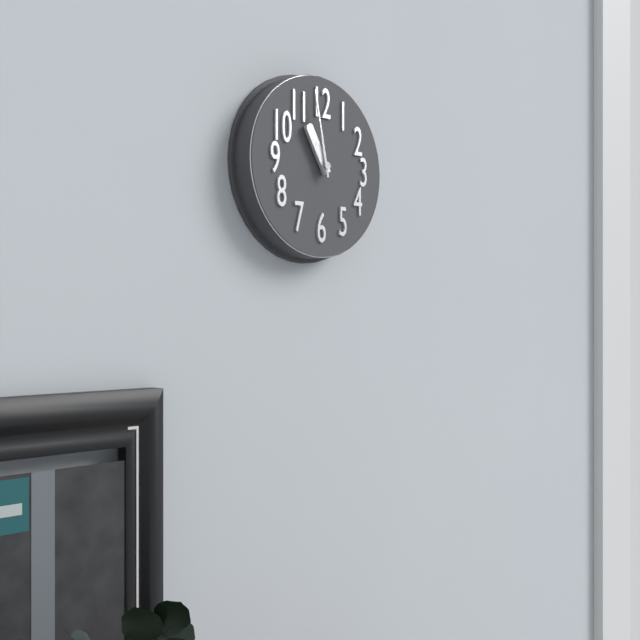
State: 10:58
